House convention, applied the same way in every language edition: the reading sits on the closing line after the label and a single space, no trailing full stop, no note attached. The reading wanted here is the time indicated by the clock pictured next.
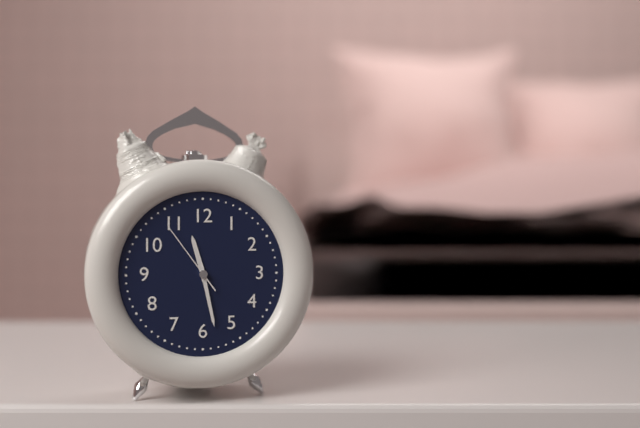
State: 11:28:54
